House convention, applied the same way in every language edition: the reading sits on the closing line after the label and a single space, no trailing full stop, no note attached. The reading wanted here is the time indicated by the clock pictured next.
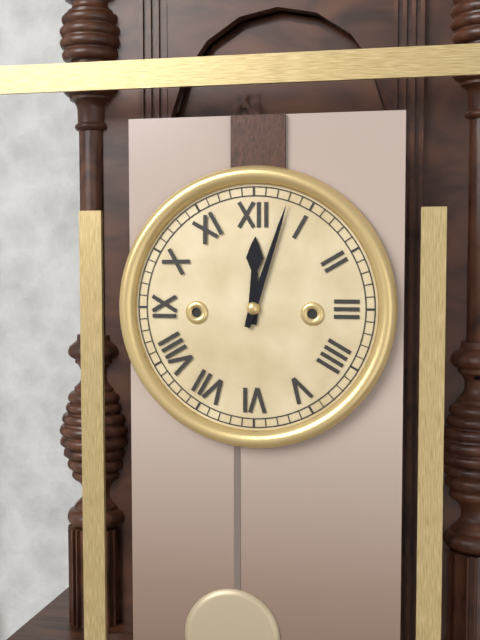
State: 12:03
